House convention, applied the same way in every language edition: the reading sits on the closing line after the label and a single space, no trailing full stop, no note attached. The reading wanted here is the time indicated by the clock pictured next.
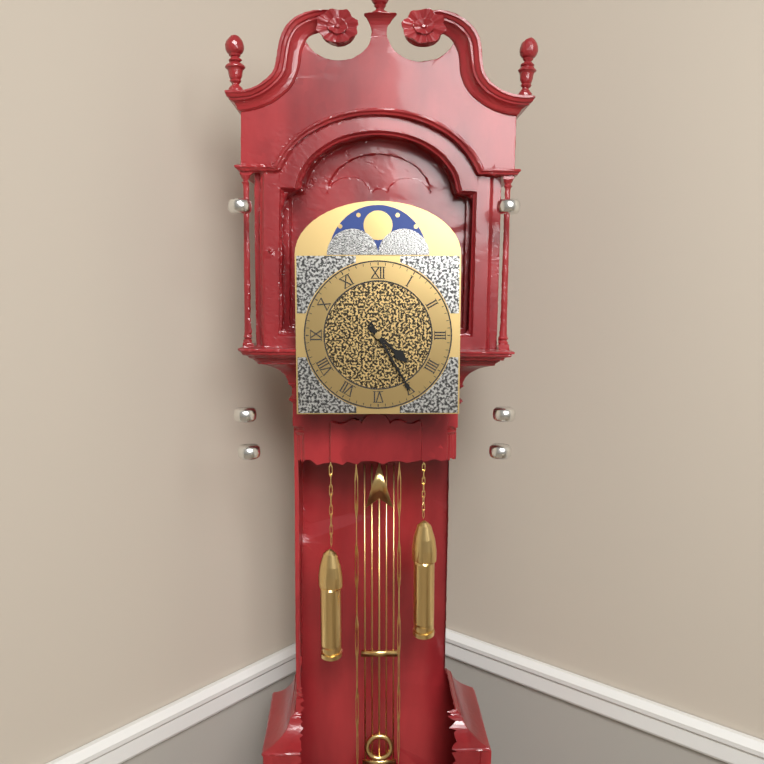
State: 4:25
